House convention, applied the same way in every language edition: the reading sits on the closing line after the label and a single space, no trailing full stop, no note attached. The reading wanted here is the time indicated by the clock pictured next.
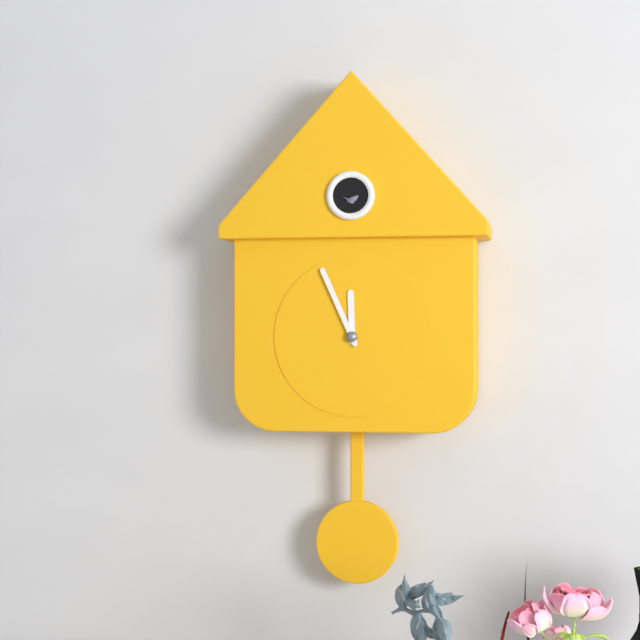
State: 11:56
